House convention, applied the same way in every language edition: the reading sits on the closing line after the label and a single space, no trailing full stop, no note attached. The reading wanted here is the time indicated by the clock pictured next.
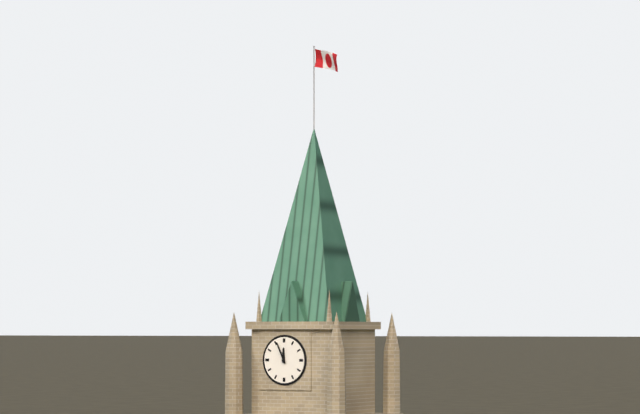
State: 11:56
